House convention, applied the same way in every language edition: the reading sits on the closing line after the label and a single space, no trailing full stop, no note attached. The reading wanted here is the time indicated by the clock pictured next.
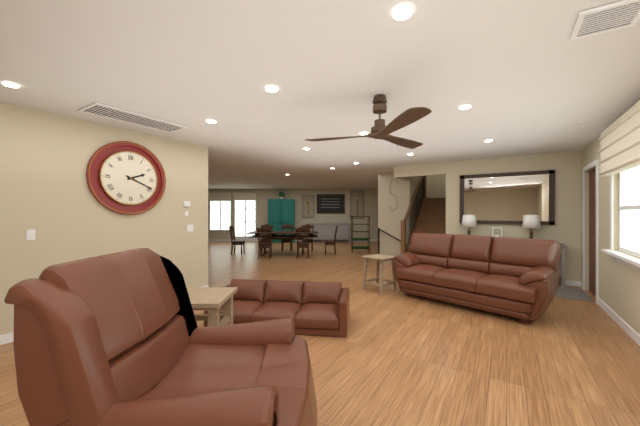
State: 2:19
